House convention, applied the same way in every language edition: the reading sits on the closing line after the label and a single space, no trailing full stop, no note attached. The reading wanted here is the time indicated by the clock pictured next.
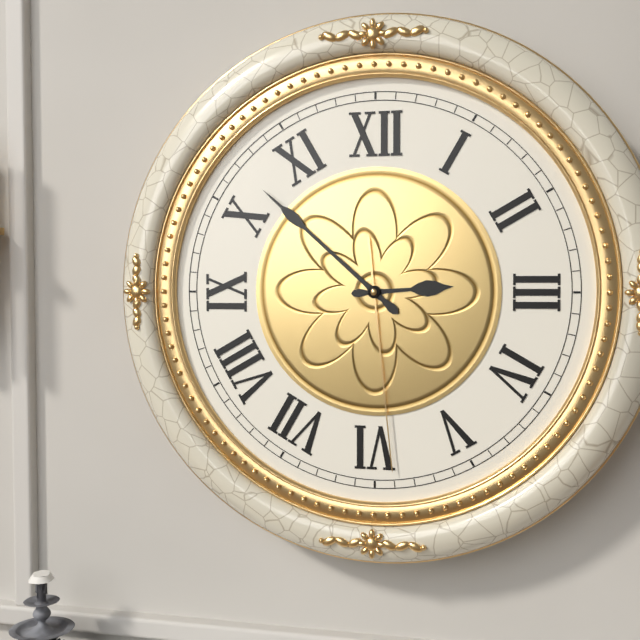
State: 2:52:29
